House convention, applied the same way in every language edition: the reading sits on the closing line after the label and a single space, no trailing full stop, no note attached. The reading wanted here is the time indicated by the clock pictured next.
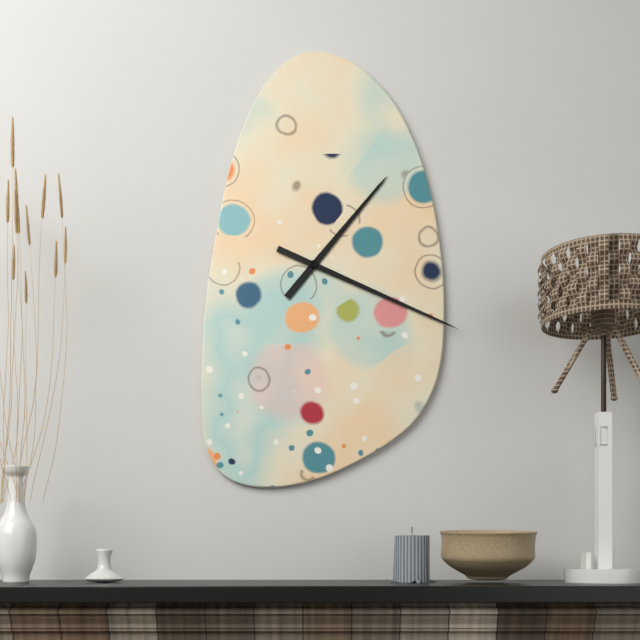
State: 1:19
